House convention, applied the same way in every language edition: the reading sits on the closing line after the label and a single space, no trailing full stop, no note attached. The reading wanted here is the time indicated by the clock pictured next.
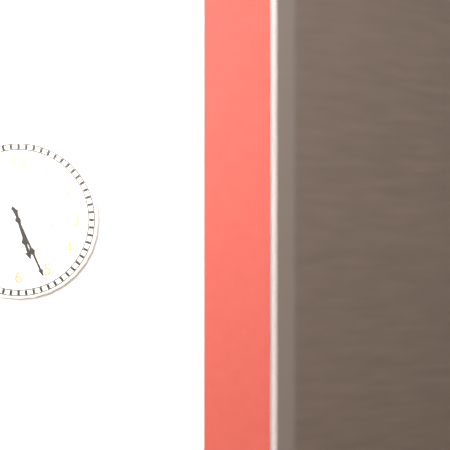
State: 5:26
